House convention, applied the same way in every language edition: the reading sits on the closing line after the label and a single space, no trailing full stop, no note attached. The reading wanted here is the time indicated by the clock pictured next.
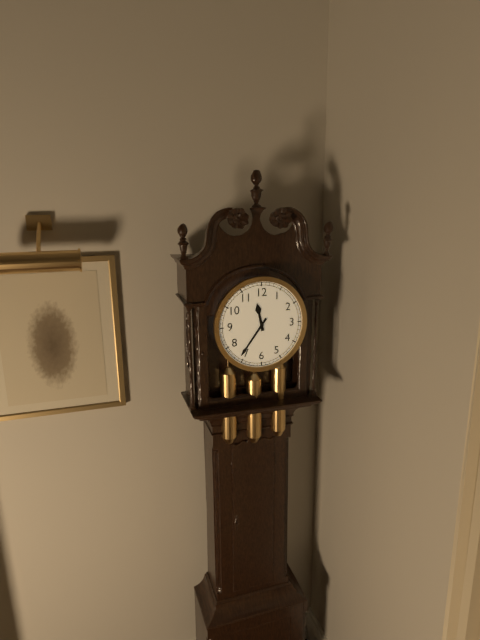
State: 11:36
